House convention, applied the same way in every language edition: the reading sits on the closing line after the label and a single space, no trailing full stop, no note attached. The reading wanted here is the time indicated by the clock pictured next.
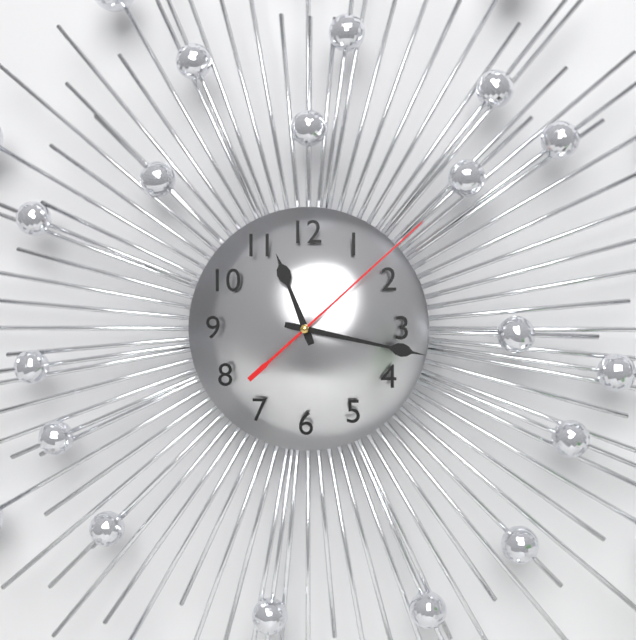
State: 11:17:08
